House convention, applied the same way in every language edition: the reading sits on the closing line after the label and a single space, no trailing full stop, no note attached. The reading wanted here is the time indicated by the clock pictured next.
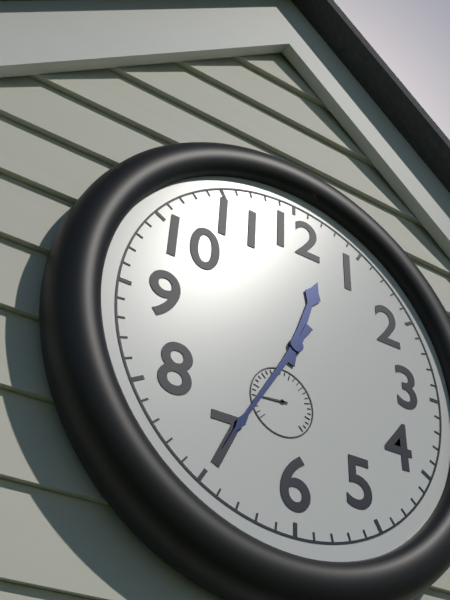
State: 12:35
